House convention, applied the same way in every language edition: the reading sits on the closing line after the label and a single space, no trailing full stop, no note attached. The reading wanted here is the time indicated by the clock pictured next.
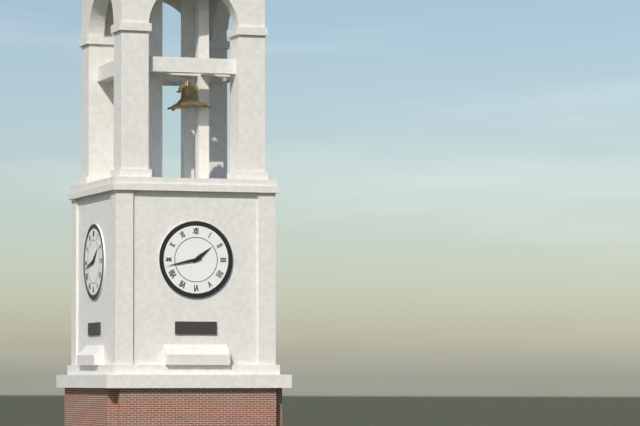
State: 1:43
